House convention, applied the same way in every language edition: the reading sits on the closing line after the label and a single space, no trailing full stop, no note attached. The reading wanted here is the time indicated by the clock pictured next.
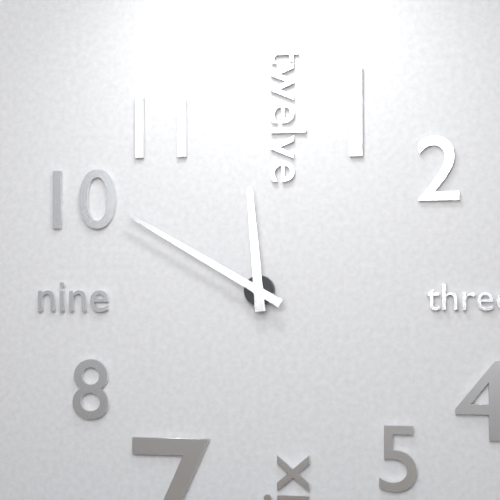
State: 11:50
